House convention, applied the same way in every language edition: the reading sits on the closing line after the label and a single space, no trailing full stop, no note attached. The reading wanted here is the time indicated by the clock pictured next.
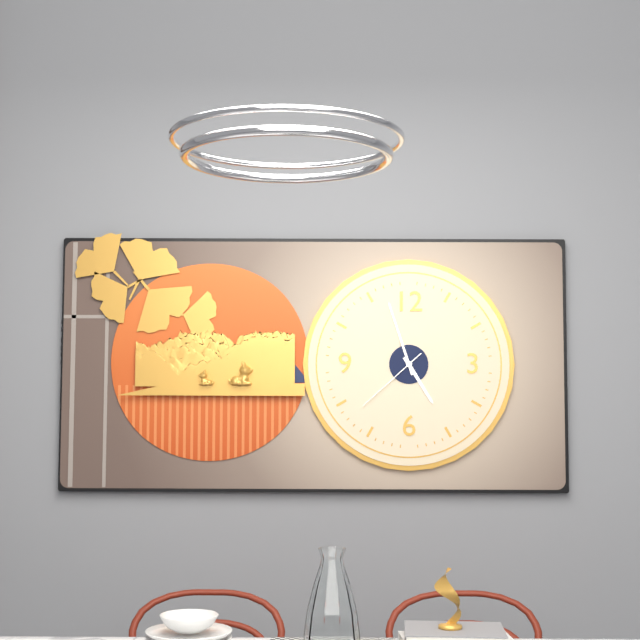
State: 4:57:38
